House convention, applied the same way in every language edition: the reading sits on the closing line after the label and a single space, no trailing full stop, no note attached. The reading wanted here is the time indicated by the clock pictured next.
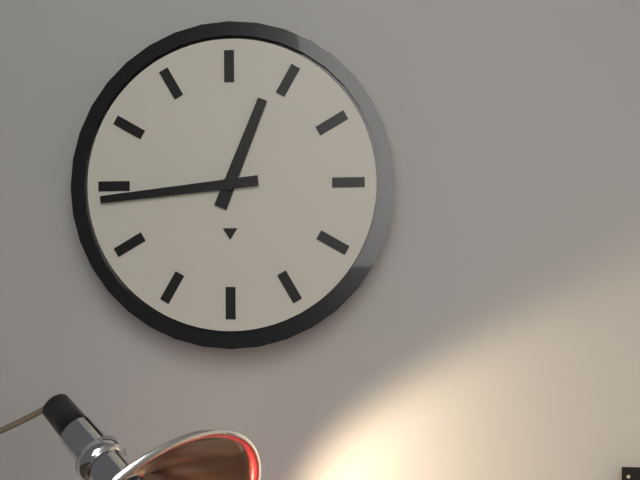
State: 12:44
